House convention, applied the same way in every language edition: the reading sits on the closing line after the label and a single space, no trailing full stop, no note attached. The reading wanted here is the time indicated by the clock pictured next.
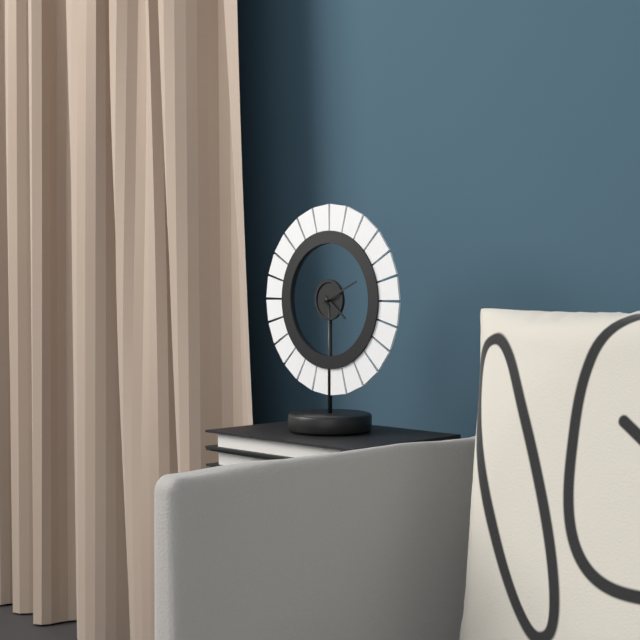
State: 4:11
